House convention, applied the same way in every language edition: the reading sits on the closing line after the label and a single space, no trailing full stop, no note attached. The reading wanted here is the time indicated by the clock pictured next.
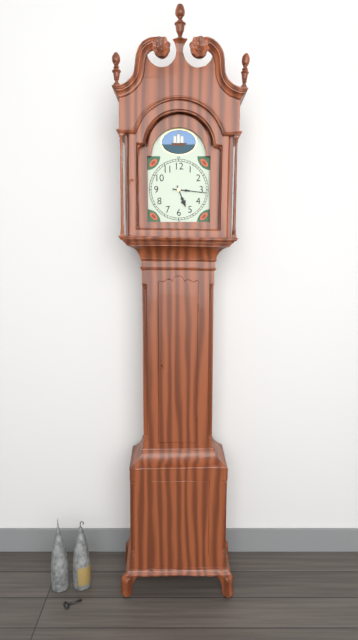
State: 5:16
